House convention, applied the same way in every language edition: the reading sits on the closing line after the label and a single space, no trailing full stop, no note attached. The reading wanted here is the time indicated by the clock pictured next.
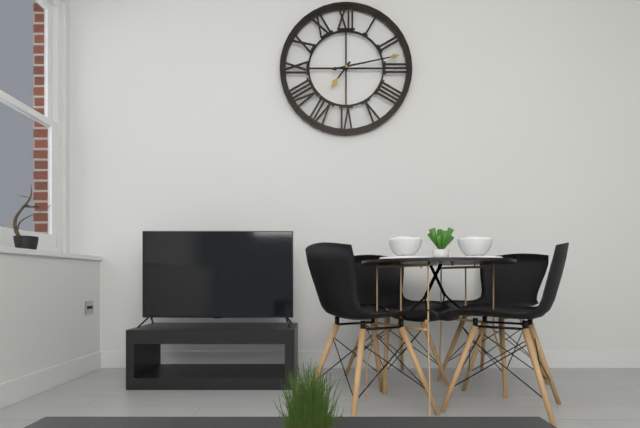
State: 7:13
